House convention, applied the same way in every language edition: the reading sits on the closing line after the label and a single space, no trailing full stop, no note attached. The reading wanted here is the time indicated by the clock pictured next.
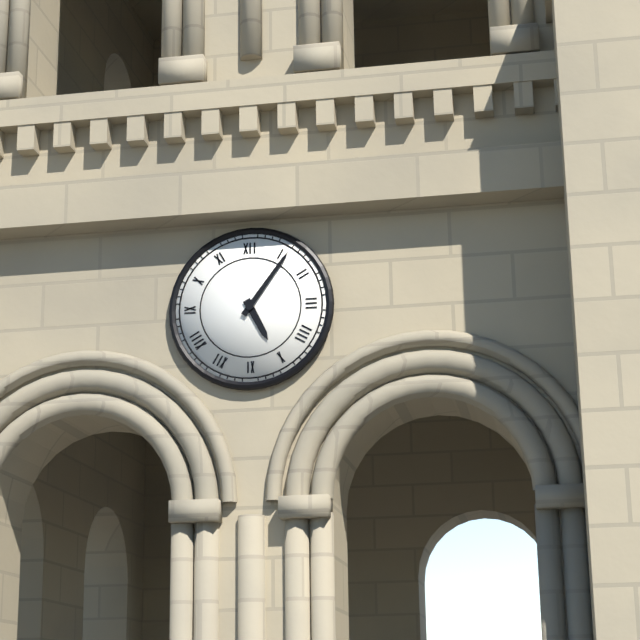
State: 5:06
